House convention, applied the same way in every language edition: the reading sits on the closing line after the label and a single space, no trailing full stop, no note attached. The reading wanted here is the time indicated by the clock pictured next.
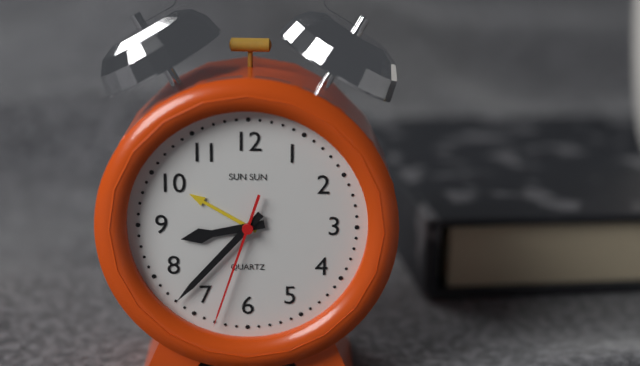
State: 8:37:33
